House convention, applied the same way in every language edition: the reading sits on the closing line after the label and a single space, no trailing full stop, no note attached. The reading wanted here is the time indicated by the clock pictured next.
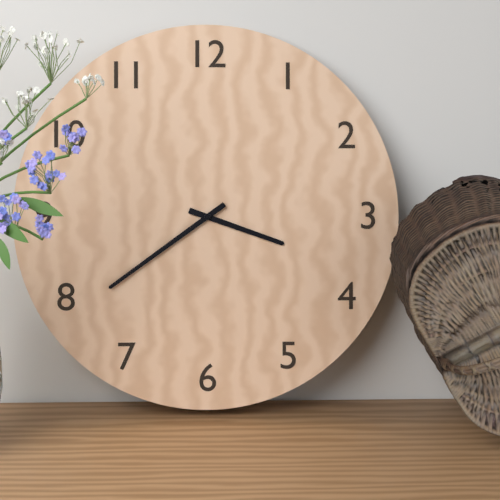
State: 3:39
